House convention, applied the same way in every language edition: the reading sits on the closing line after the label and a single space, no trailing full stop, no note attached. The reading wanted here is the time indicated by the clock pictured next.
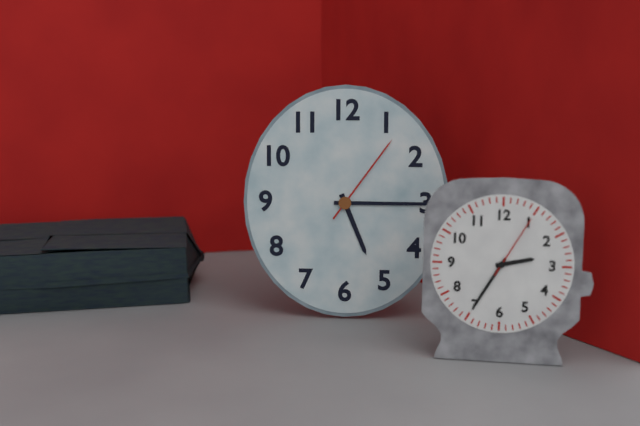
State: 5:15:06
